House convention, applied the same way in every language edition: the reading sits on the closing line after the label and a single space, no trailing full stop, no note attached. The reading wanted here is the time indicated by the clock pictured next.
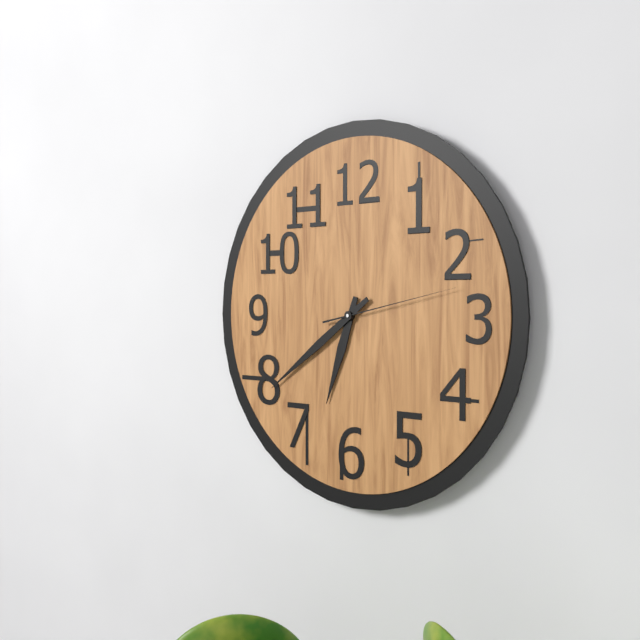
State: 6:39:13
